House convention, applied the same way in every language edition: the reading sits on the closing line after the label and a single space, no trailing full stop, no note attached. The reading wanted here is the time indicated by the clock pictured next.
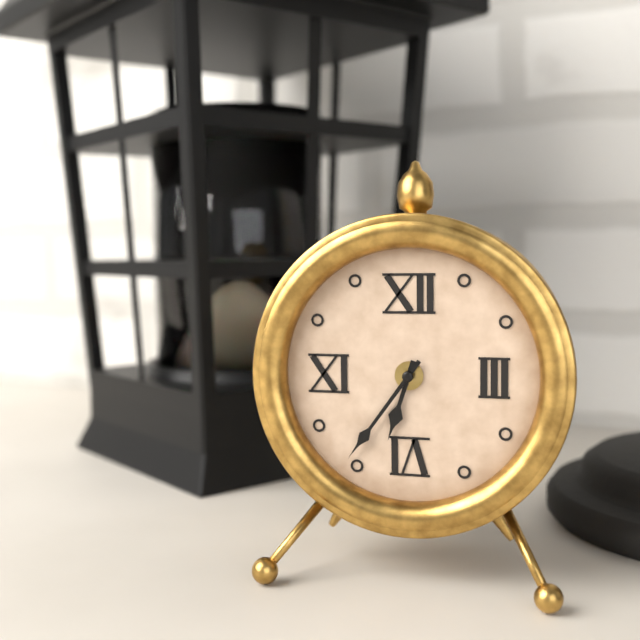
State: 6:36
